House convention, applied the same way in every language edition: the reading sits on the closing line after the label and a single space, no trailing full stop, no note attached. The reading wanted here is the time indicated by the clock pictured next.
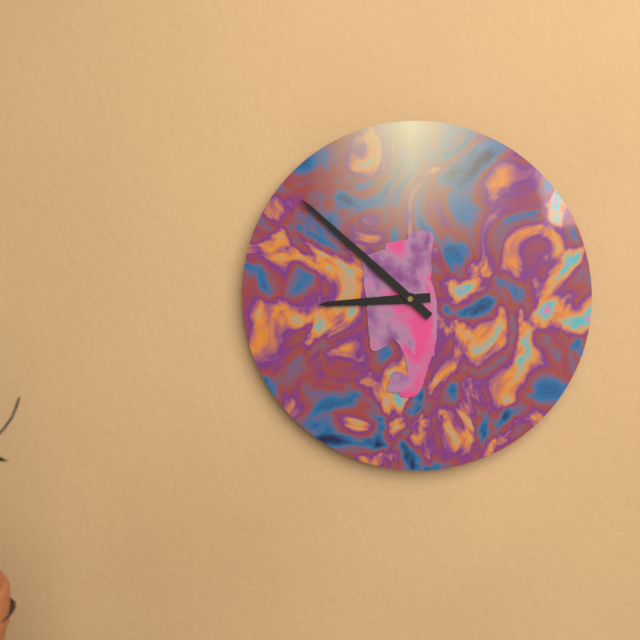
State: 8:52
